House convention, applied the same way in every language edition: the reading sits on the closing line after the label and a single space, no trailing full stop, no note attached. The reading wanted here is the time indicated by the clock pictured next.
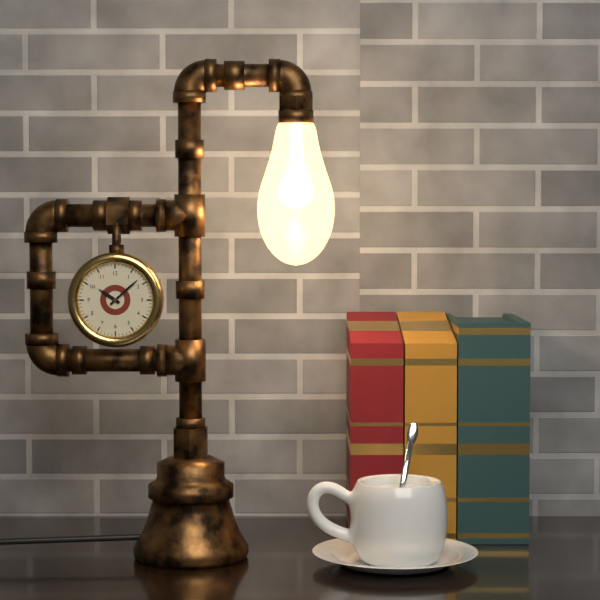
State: 10:08
